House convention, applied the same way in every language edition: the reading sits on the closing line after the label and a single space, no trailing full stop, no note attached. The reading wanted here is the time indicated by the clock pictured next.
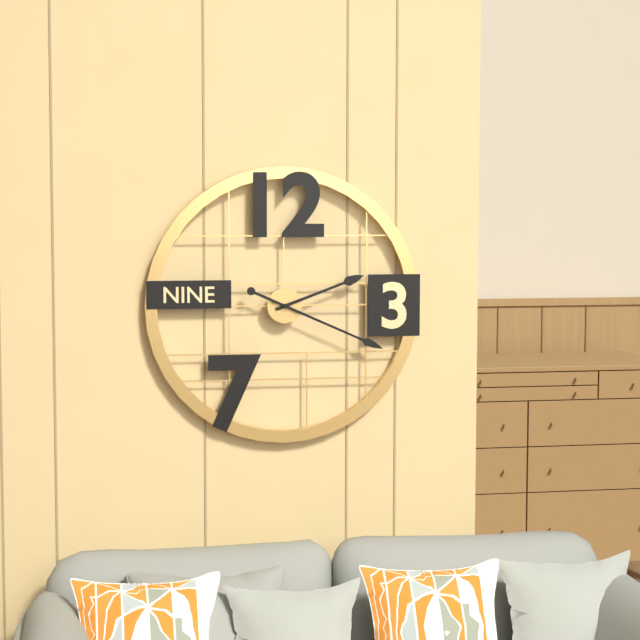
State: 2:19
